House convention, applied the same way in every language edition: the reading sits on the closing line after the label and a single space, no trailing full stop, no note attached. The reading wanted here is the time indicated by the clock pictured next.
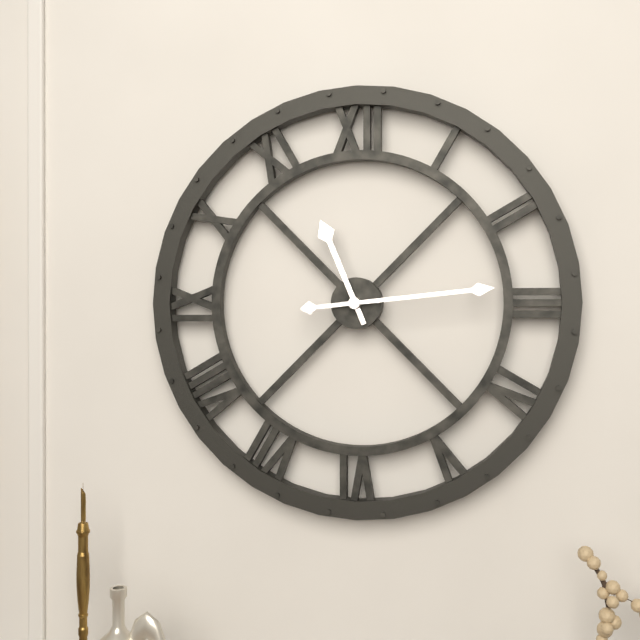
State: 11:14
